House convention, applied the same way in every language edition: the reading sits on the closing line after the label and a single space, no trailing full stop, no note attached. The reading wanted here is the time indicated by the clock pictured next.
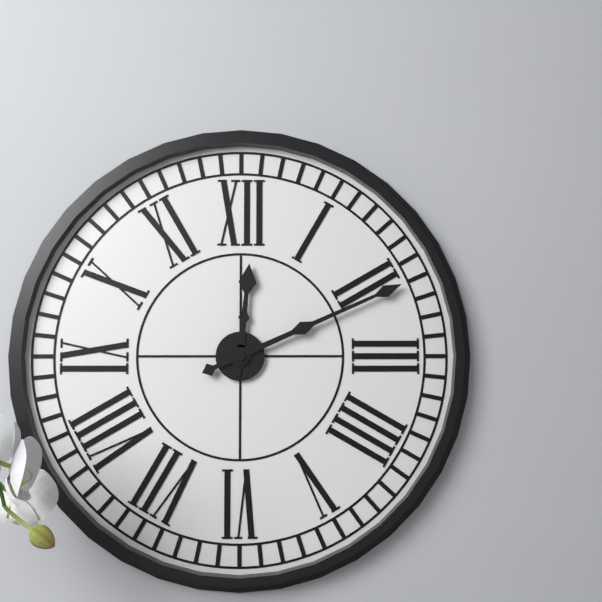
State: 12:11
